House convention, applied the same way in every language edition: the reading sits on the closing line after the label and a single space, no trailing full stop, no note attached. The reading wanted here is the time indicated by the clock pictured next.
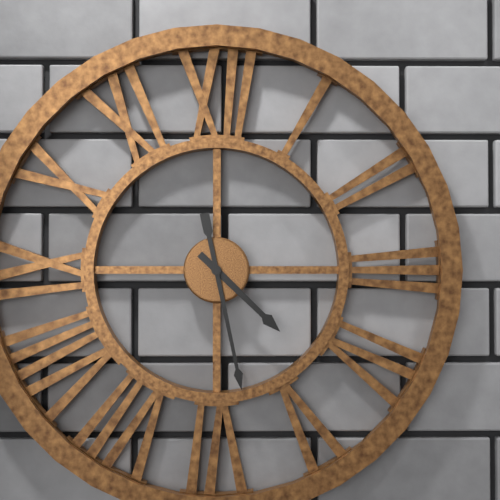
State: 4:28
